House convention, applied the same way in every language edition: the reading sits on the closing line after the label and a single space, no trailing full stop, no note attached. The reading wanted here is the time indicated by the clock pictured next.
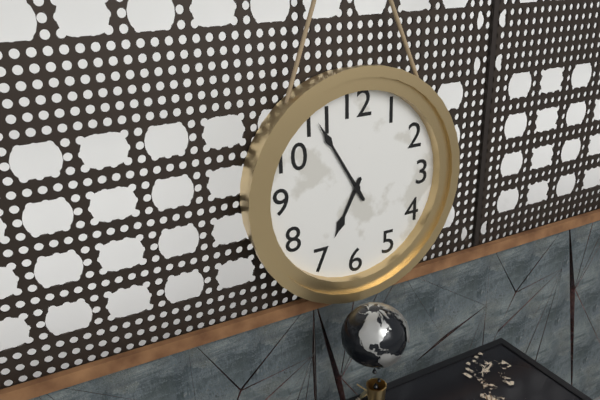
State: 6:55
